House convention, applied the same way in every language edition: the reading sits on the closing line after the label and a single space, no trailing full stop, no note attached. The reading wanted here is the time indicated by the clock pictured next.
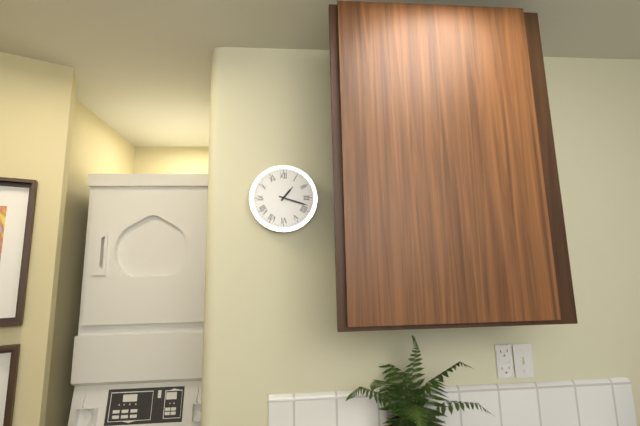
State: 1:18
